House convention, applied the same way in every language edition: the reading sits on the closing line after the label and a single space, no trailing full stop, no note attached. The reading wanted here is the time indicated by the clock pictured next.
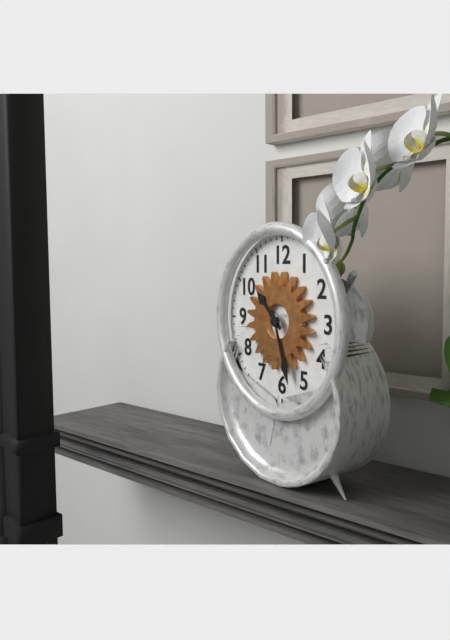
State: 10:27
